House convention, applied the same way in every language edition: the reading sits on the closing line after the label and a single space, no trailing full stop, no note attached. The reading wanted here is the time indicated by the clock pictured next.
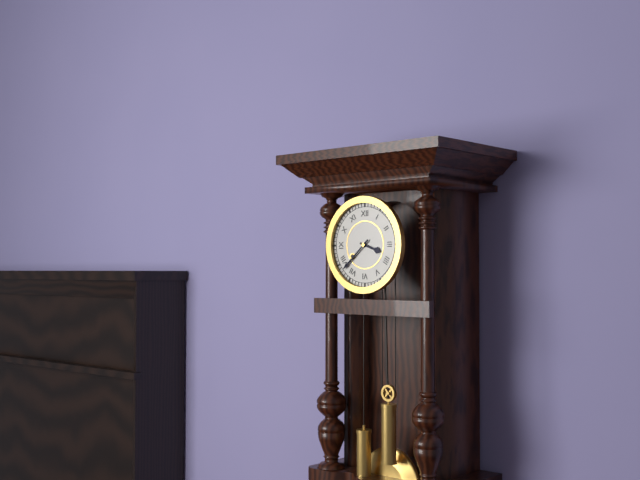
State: 3:38
